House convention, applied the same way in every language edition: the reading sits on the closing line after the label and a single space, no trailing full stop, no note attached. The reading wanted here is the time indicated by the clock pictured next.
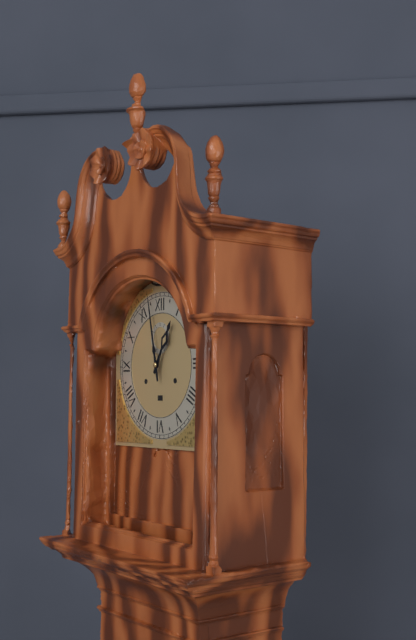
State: 12:58
